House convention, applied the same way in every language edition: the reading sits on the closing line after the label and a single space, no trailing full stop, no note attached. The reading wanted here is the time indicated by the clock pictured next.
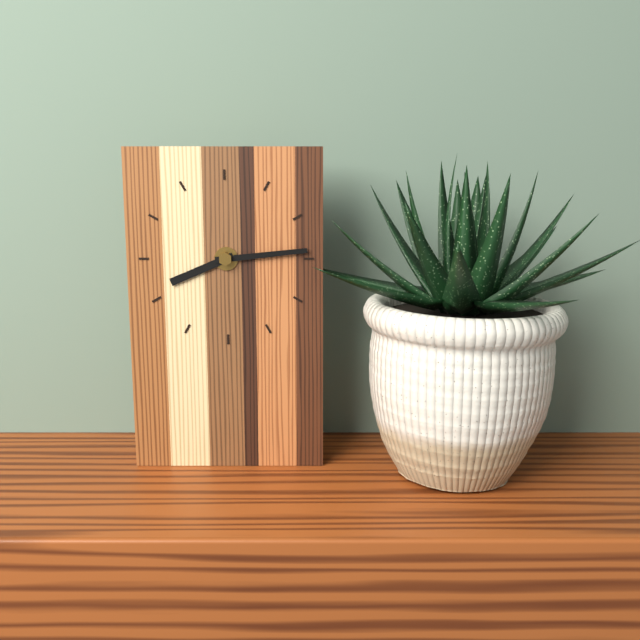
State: 8:14
